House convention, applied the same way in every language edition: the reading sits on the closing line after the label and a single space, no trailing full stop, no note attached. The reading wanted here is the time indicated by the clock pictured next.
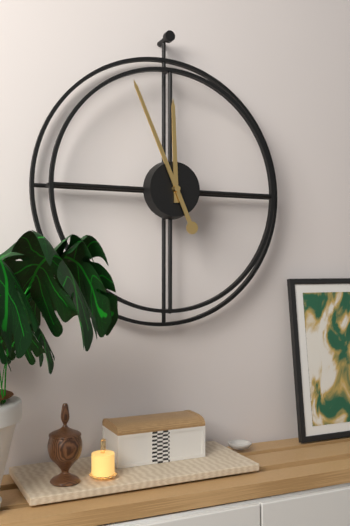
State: 11:56
